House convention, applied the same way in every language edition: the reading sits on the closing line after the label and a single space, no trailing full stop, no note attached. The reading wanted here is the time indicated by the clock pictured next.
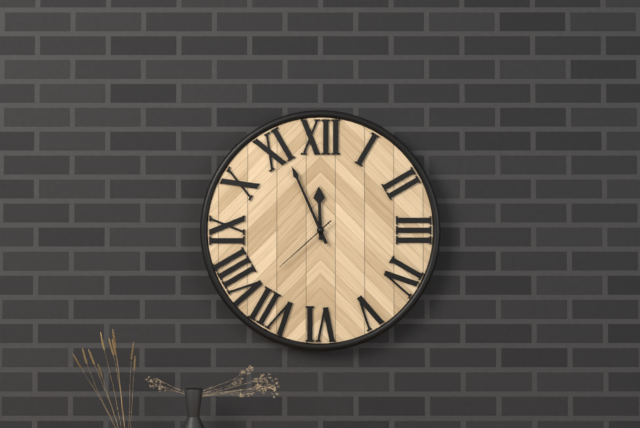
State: 11:56:38
